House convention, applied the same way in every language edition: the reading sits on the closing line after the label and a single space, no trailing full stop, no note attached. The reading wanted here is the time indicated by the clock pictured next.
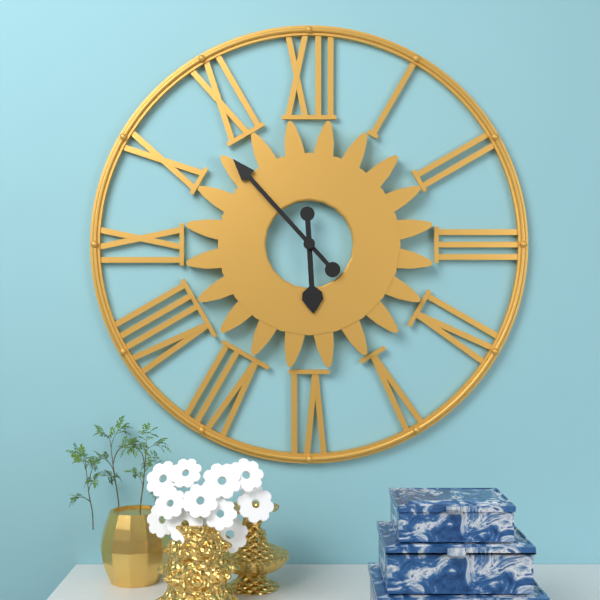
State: 5:53
